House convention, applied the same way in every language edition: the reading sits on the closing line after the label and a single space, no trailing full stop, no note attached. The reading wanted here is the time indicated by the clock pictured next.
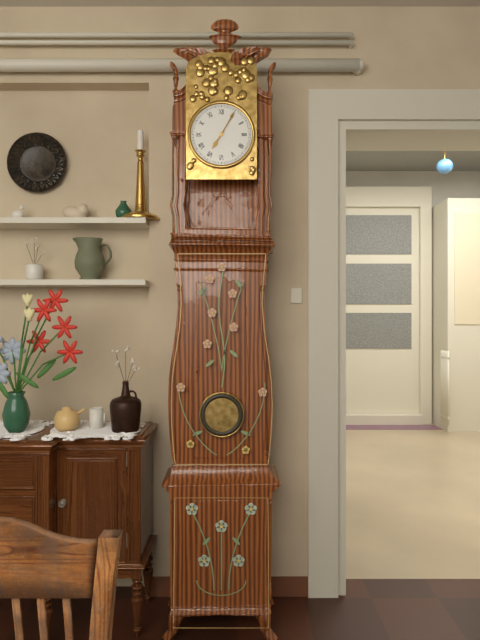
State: 7:05
